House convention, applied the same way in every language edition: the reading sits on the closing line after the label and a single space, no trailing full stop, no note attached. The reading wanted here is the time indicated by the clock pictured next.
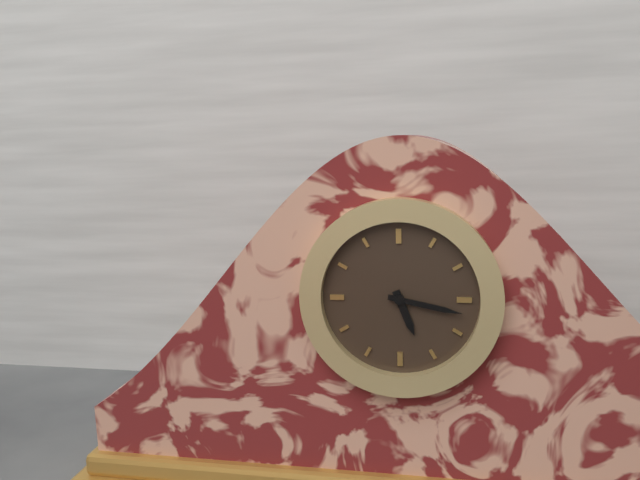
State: 5:17
